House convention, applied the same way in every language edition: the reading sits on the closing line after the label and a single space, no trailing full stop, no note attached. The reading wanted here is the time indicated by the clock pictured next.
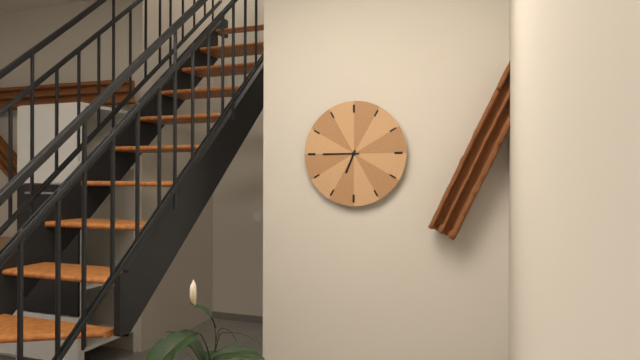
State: 6:45
